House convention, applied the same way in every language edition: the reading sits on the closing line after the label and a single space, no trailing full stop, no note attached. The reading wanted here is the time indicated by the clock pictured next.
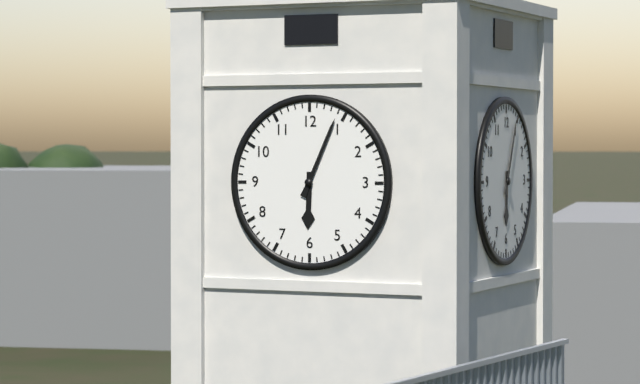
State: 6:04
